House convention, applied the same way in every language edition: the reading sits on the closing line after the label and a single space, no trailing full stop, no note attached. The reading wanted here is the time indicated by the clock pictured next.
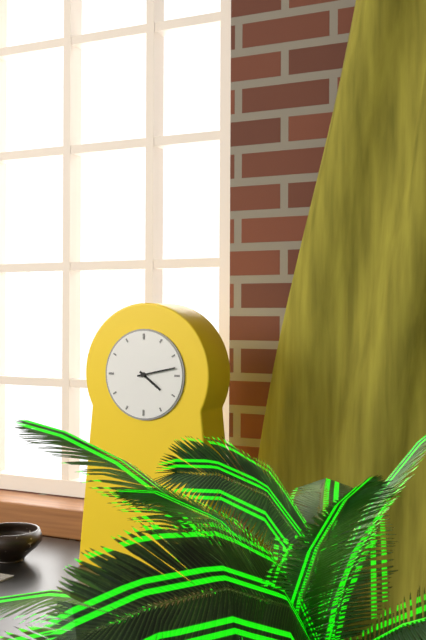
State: 4:13
